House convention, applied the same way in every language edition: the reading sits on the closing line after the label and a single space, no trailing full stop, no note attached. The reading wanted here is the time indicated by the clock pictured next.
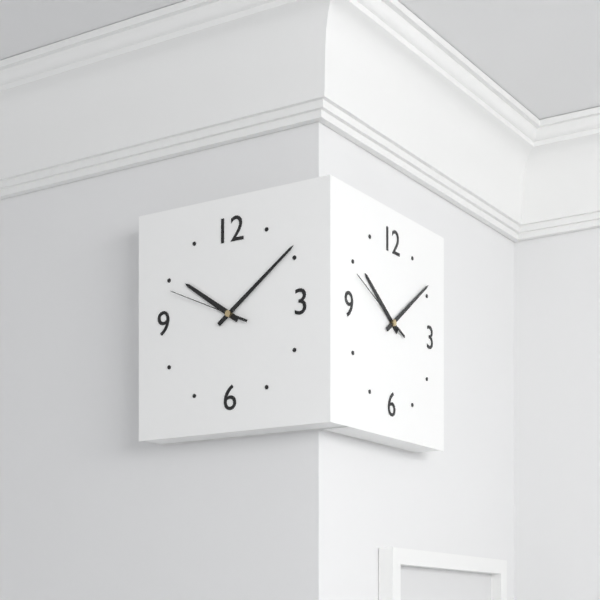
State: 10:09:49
